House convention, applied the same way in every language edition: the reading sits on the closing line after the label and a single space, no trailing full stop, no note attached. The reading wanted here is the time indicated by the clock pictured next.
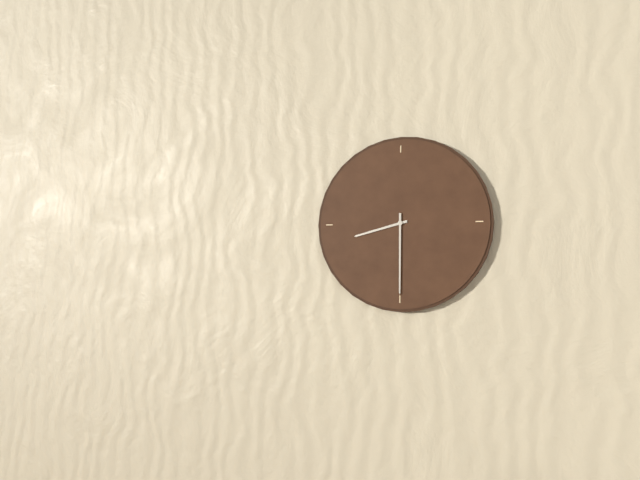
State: 8:30
